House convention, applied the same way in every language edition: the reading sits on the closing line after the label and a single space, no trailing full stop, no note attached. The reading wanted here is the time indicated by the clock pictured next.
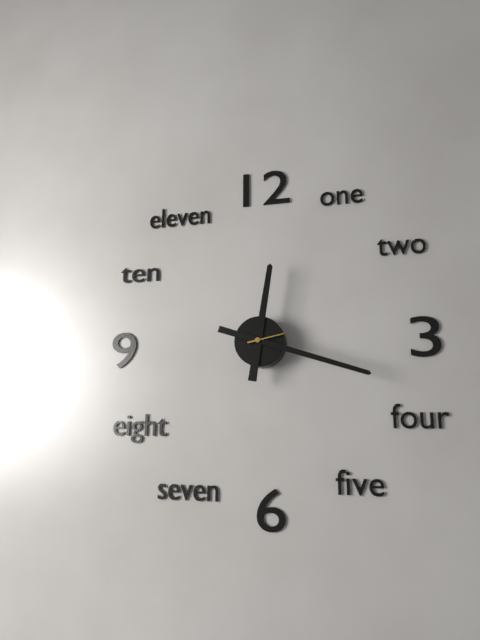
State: 12:18
